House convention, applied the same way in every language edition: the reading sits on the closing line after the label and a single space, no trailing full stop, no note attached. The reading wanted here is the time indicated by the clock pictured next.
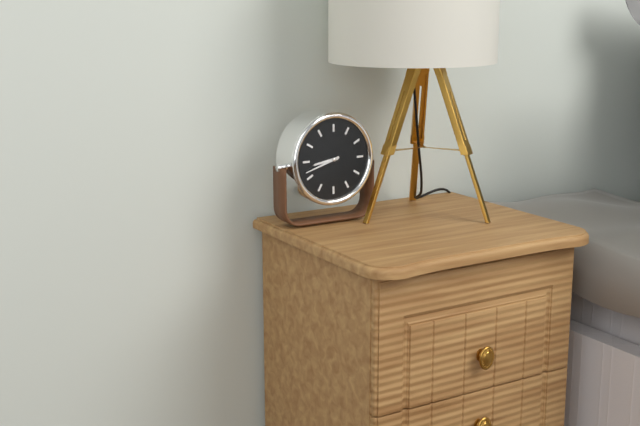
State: 8:42
